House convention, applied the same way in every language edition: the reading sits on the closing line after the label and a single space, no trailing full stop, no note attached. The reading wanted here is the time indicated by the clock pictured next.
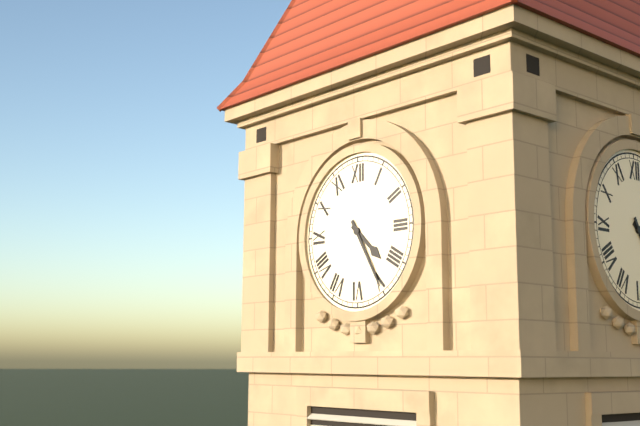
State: 4:25
